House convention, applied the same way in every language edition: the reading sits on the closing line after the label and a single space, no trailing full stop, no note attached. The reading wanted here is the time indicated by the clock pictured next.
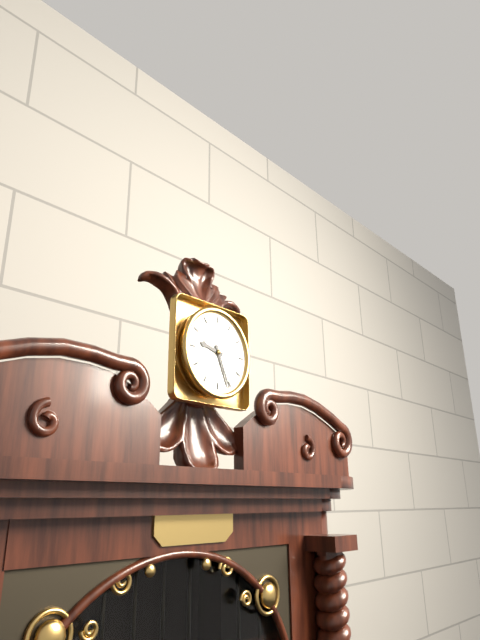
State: 9:26
